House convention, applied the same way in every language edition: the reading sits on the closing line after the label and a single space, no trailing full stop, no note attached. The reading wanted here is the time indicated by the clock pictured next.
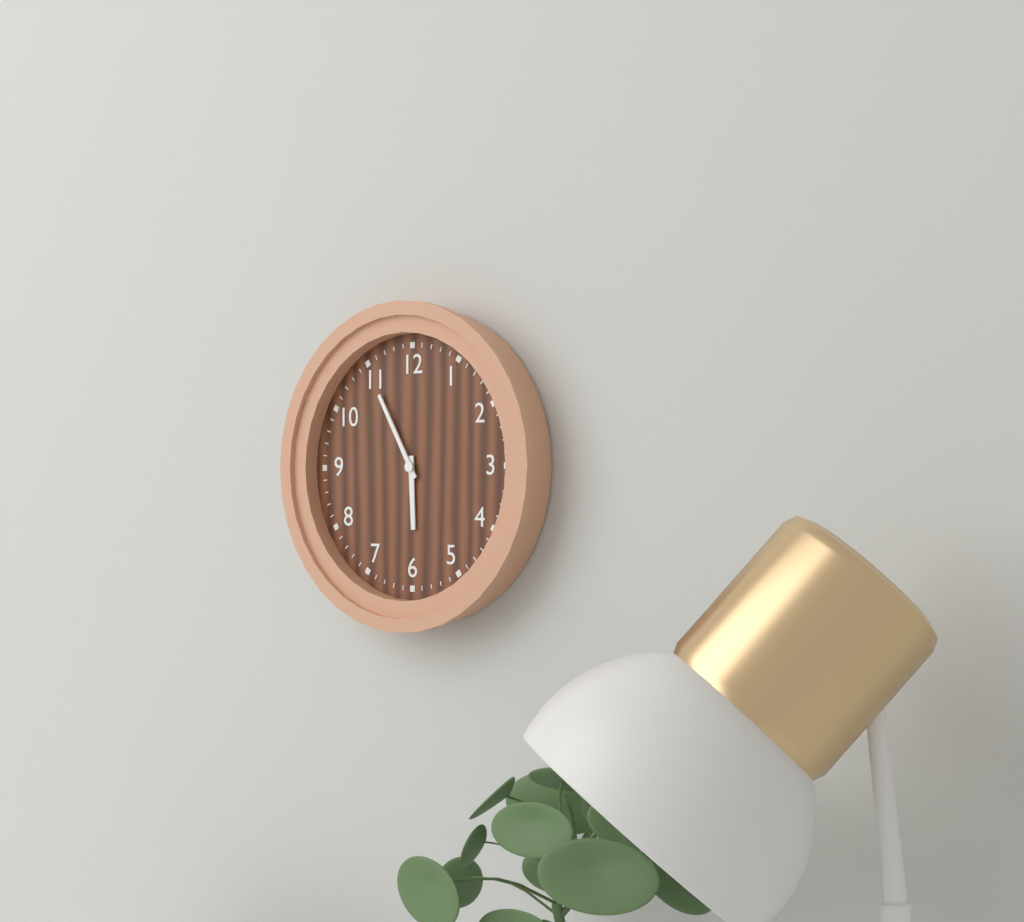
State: 5:55
